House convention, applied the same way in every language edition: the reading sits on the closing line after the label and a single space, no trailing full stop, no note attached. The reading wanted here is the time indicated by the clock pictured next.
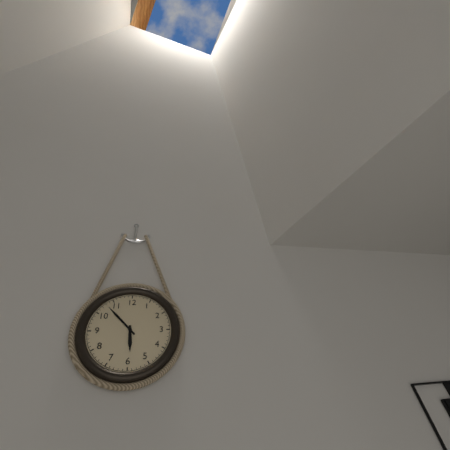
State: 5:53
